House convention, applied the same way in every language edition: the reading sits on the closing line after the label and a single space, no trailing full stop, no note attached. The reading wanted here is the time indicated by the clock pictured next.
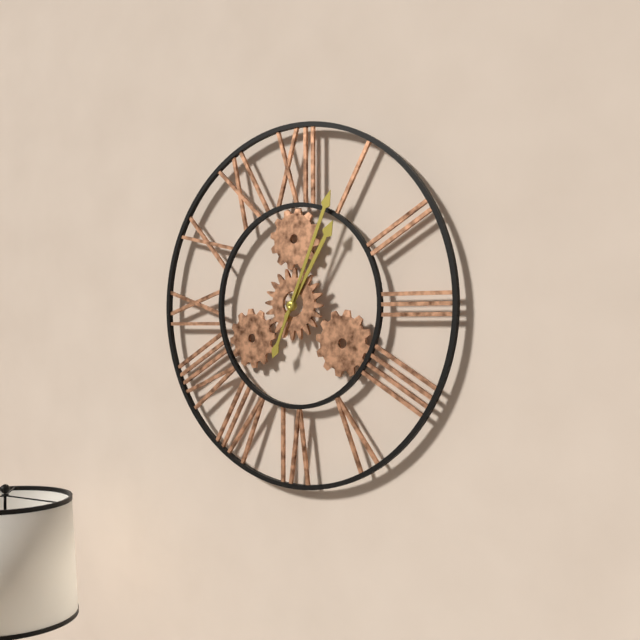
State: 1:04
